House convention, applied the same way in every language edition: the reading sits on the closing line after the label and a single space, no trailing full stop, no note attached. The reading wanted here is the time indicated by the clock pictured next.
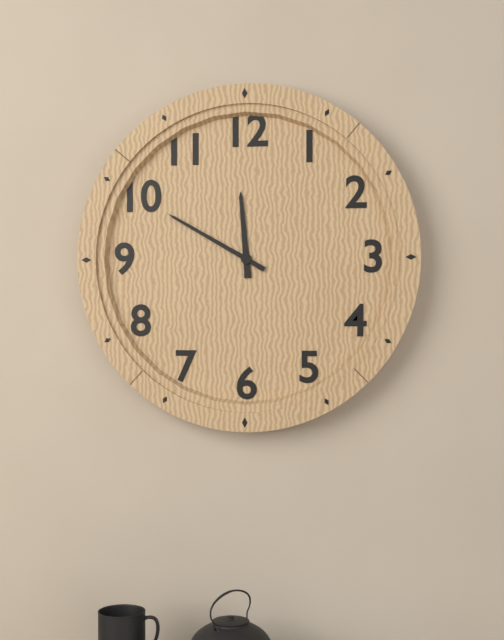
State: 11:50
